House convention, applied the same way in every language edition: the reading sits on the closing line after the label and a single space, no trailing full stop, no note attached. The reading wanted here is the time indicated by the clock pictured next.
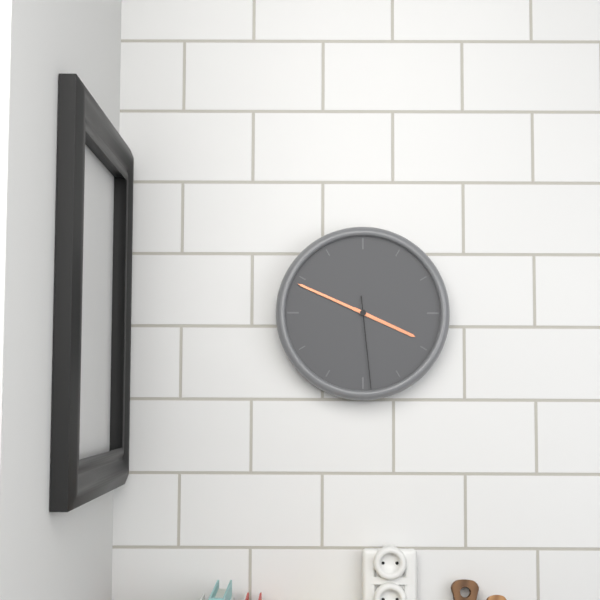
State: 3:49:29
